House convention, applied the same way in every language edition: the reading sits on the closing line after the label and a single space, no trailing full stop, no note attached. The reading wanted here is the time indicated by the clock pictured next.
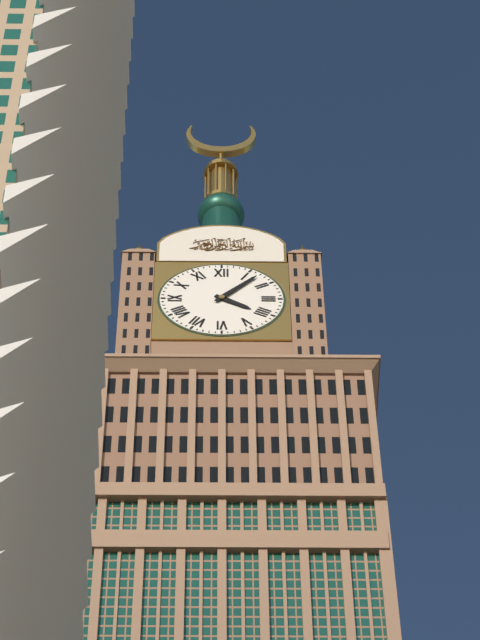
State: 4:07
